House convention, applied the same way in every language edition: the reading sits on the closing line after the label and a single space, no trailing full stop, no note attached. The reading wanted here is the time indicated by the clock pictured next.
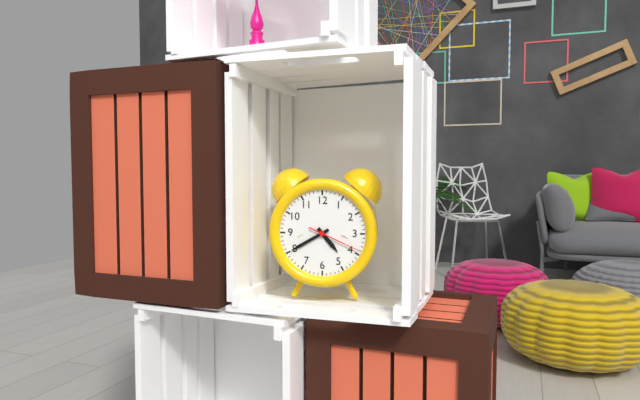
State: 4:40:19
